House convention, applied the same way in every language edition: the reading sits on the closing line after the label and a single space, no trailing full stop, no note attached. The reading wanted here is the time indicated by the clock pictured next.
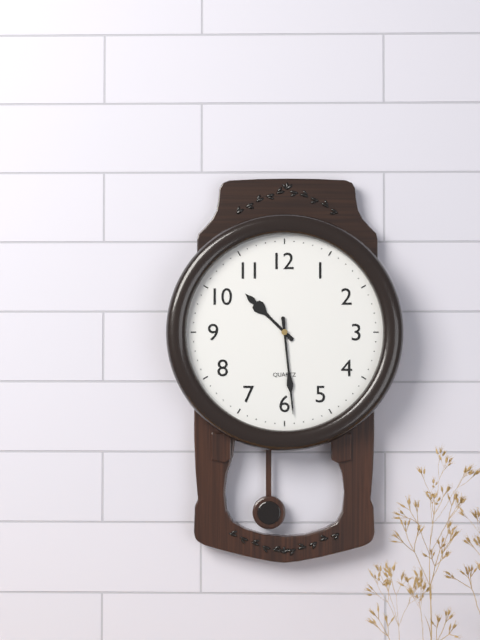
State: 10:29
